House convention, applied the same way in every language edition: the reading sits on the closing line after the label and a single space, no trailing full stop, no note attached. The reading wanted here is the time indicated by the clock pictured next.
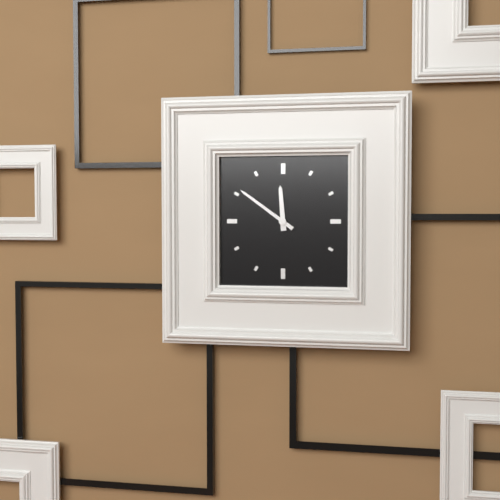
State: 11:51
